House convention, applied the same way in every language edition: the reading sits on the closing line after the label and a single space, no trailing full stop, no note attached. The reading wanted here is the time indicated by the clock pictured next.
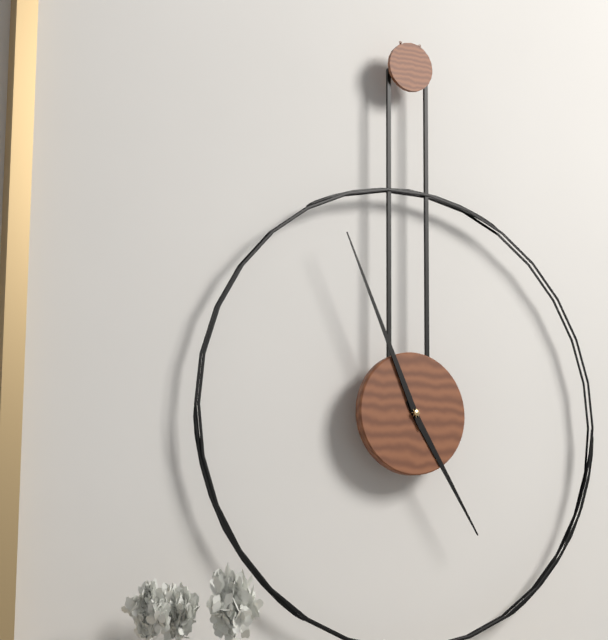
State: 4:56
